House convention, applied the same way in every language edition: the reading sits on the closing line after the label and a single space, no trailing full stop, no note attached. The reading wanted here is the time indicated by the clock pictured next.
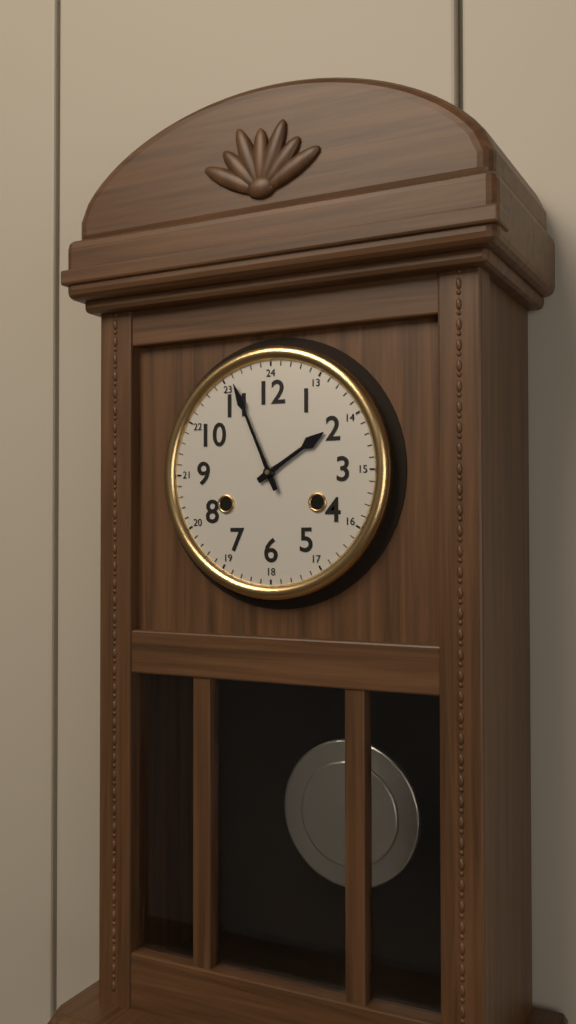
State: 1:56
